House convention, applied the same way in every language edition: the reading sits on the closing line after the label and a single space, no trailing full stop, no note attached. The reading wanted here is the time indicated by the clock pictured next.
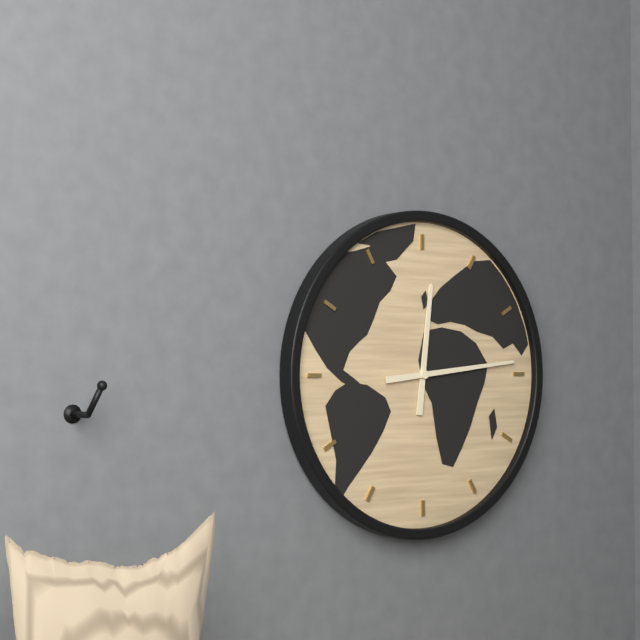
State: 12:14
